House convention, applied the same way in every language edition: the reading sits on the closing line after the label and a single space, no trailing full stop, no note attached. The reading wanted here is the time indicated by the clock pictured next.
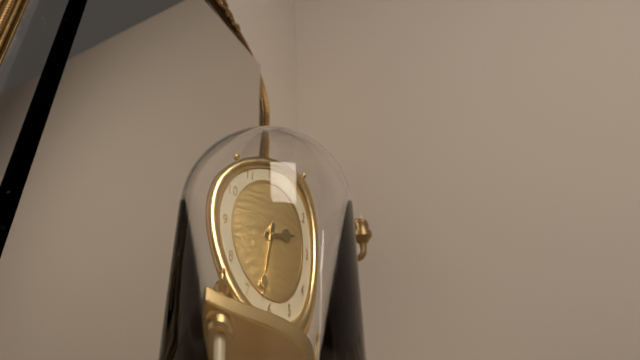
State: 2:32
